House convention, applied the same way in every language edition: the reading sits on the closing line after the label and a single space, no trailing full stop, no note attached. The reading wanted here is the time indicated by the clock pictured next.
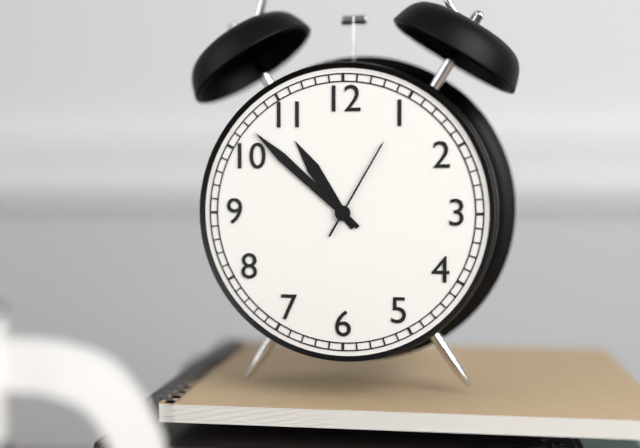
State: 10:52:05
